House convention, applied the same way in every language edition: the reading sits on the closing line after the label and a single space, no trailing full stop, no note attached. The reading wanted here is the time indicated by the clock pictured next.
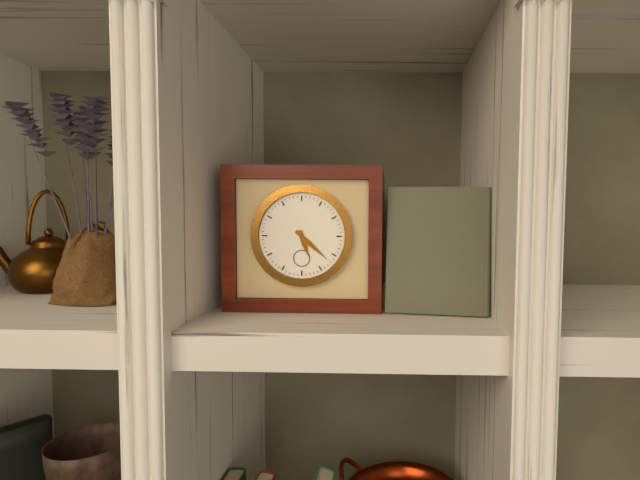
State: 5:22
